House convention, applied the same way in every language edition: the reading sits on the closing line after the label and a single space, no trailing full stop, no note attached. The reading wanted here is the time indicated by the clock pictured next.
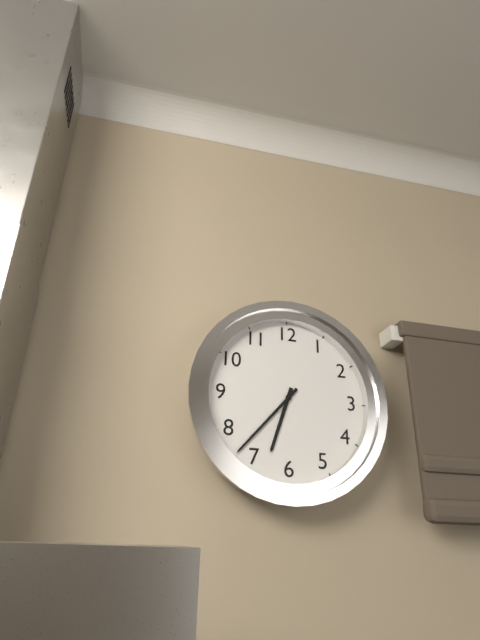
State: 6:37
